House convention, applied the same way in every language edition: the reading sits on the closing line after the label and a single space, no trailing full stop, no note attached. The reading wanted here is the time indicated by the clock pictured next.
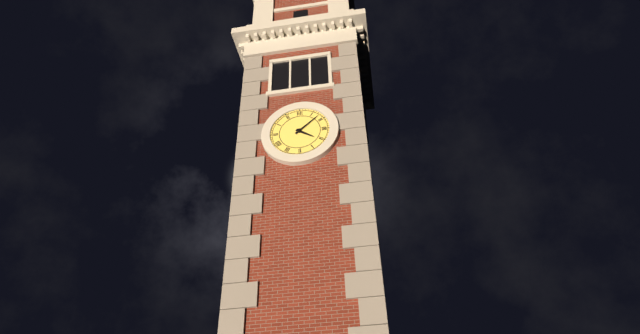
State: 4:08
